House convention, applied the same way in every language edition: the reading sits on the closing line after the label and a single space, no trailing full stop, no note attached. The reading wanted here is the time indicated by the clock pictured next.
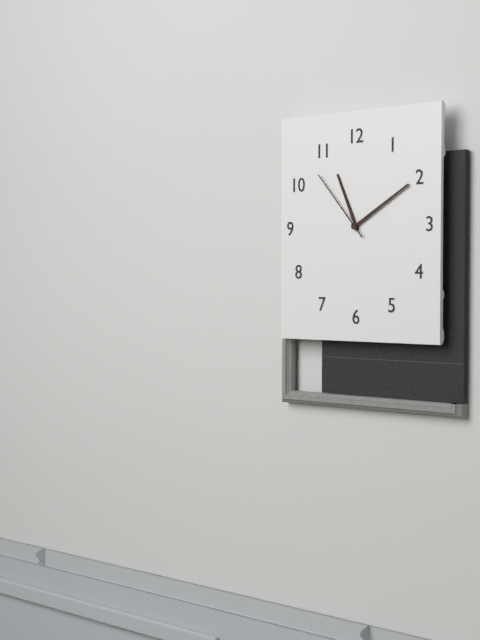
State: 11:10:53
